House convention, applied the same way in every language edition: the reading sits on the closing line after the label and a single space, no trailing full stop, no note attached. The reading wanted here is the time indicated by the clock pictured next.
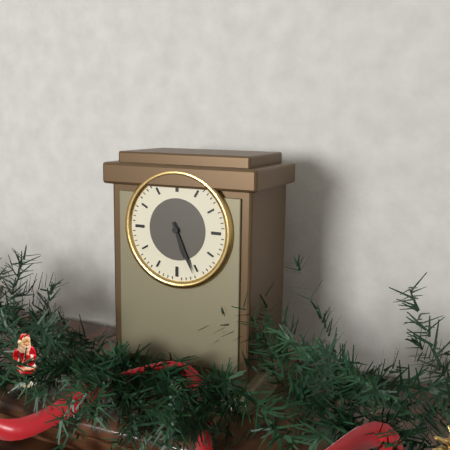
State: 5:26
